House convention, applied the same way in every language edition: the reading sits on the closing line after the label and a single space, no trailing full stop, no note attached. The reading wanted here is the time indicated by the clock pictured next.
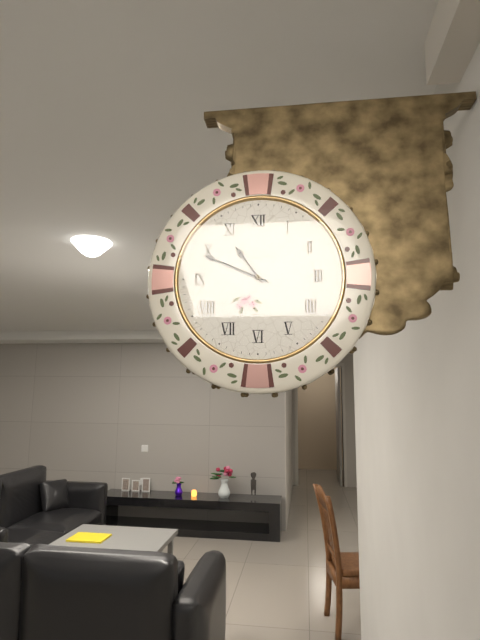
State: 10:49
